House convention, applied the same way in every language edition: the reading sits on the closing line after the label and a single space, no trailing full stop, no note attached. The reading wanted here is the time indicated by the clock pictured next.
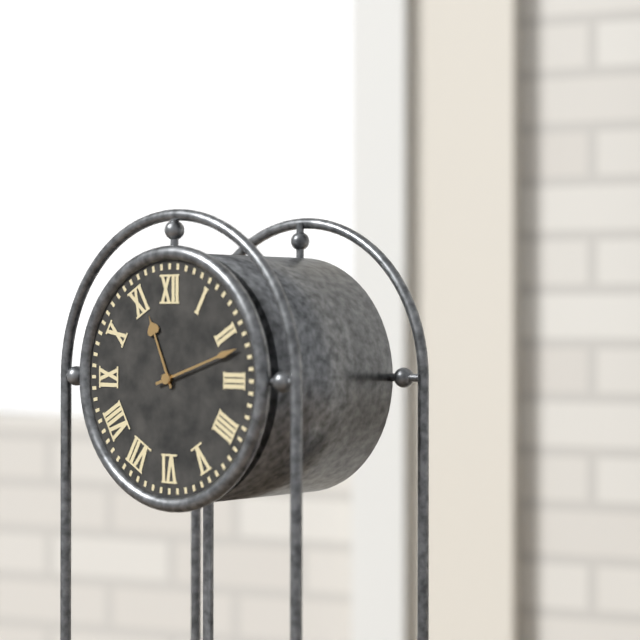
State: 11:12
